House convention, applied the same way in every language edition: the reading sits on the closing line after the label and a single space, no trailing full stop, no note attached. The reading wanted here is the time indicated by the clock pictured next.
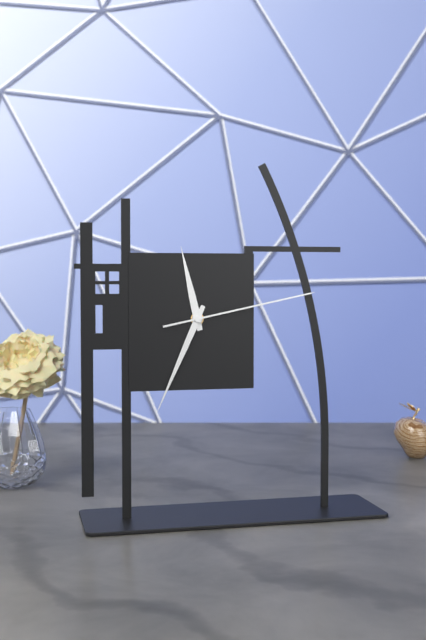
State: 11:34:13
